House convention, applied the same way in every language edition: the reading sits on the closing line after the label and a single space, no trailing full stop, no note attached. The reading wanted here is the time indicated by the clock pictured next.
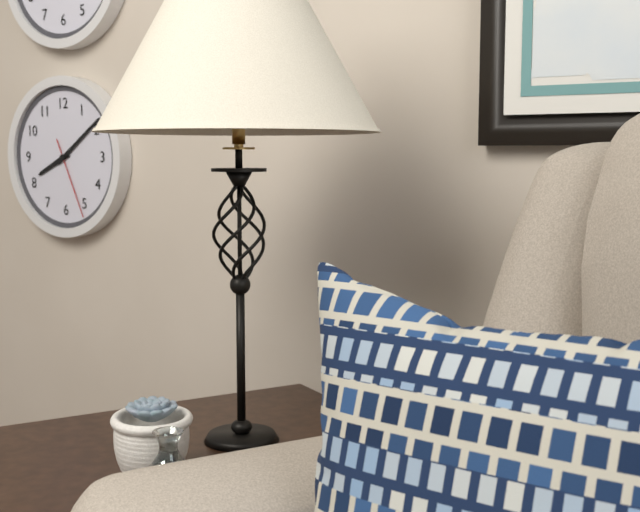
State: 8:09:26
